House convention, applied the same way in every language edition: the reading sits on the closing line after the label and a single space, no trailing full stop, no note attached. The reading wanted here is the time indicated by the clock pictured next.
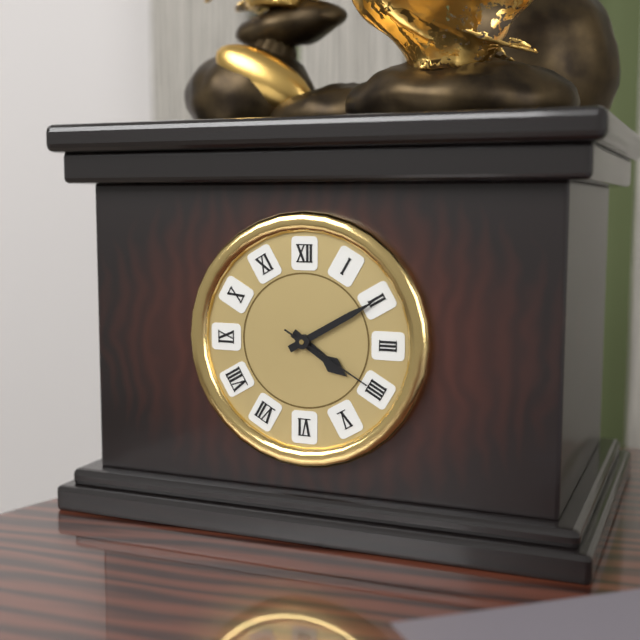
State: 4:10:20
